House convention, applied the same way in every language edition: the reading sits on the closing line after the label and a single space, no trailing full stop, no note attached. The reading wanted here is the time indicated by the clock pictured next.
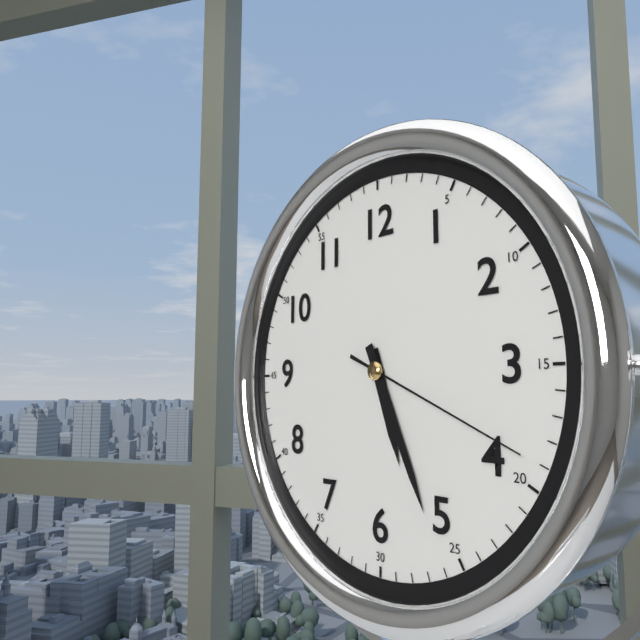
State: 5:26:19
